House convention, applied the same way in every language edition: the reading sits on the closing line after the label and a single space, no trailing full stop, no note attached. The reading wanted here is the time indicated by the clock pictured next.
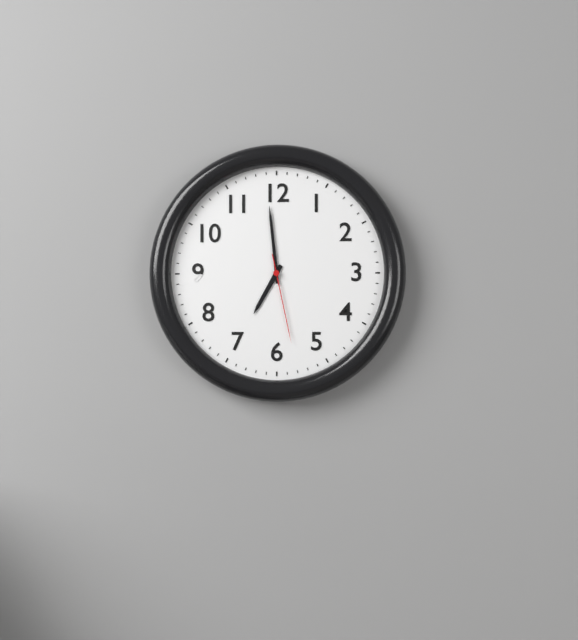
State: 6:59:28
